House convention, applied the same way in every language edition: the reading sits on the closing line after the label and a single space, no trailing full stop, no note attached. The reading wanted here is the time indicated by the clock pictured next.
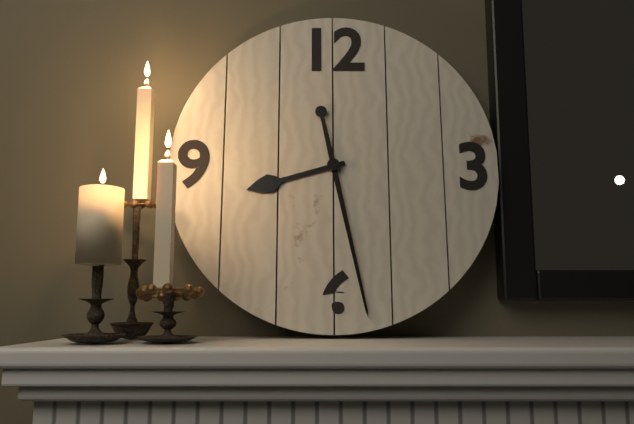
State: 8:28
